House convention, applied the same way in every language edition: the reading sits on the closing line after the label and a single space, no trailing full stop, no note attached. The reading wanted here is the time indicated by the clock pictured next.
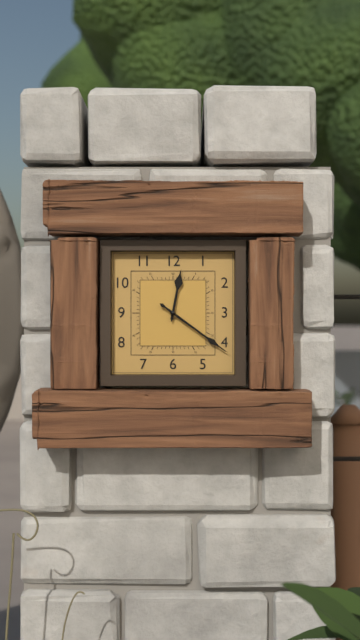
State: 12:21
